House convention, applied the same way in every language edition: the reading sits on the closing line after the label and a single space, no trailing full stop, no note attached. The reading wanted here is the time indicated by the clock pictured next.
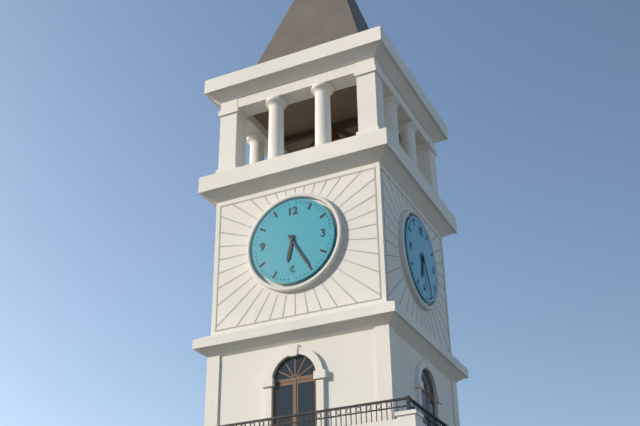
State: 6:25
